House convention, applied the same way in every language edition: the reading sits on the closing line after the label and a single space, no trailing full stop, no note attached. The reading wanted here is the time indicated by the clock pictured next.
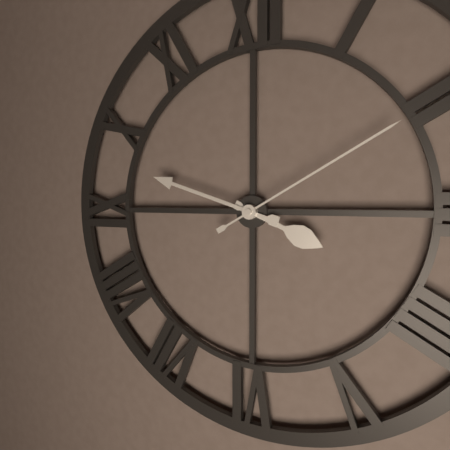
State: 3:48:10
